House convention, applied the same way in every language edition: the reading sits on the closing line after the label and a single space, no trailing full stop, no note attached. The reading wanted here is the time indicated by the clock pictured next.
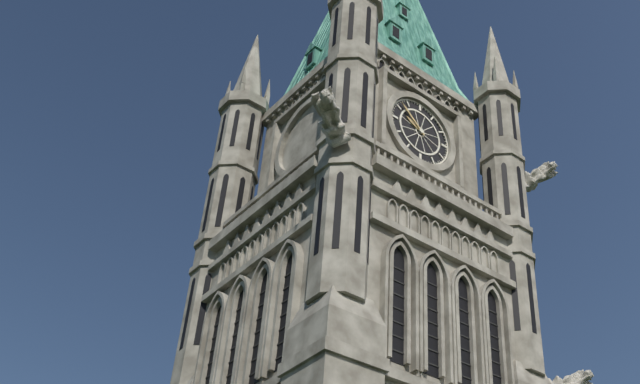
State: 9:52
